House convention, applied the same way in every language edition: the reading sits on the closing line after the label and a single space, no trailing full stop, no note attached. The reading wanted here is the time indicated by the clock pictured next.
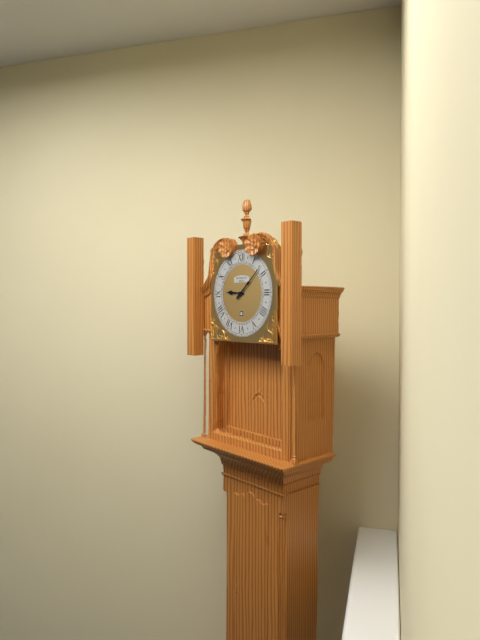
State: 9:08
